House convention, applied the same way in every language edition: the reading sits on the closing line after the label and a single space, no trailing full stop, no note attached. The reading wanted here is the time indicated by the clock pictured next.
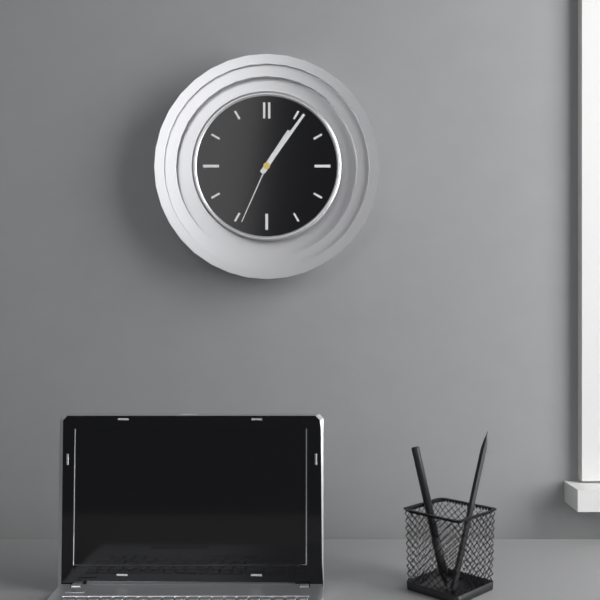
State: 1:06:34
